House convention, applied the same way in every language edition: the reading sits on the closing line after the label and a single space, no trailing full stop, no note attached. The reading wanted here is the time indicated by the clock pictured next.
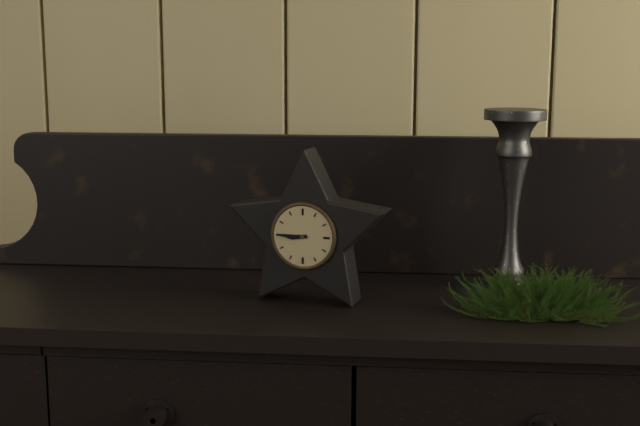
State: 8:45
